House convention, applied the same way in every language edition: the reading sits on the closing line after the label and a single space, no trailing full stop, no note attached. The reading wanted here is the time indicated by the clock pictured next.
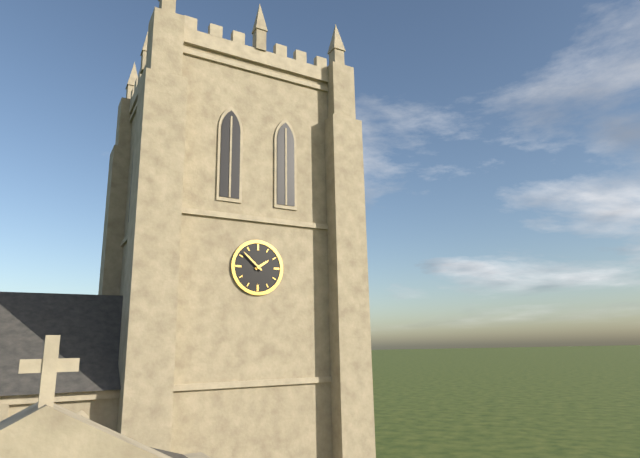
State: 1:52
